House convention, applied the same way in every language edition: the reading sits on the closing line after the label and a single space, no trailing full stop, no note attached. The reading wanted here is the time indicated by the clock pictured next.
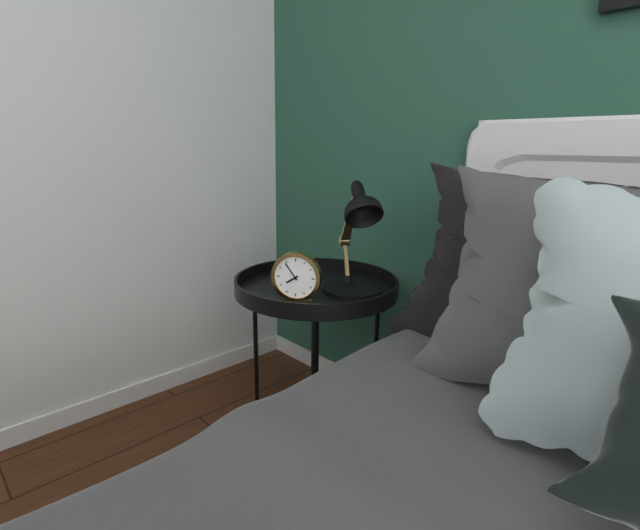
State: 7:54
